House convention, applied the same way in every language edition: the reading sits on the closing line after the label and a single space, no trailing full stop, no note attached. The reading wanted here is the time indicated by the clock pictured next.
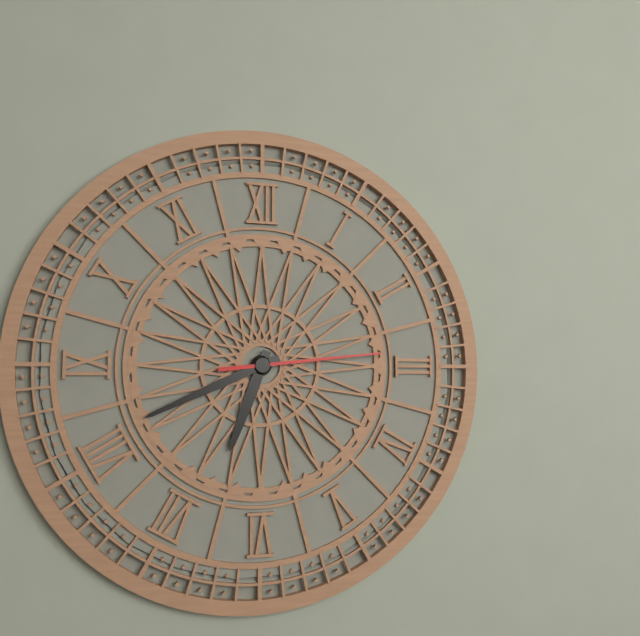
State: 6:41:14
